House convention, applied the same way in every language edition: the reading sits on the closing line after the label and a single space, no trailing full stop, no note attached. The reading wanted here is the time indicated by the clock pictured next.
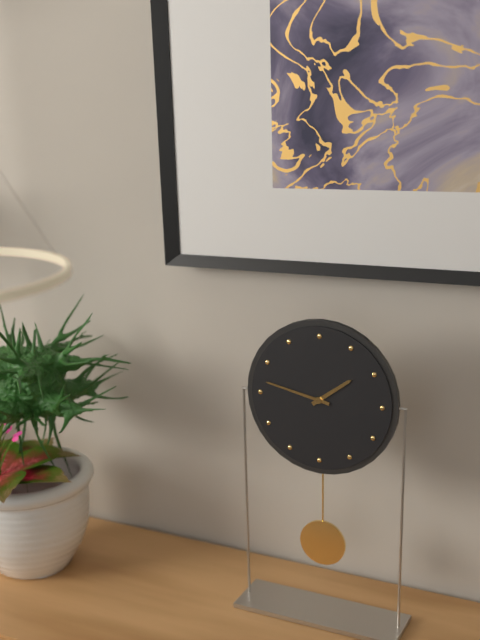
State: 1:47
